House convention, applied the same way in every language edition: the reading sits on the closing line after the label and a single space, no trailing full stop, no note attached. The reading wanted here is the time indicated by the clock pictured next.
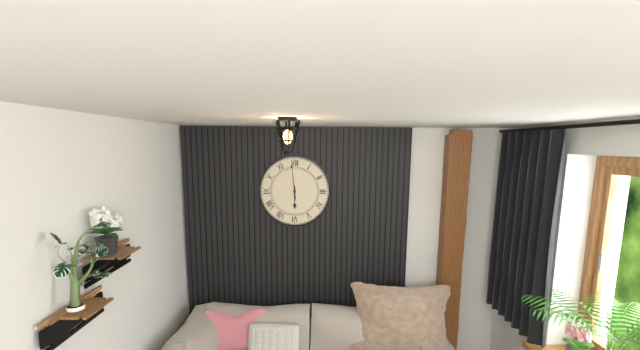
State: 5:59
